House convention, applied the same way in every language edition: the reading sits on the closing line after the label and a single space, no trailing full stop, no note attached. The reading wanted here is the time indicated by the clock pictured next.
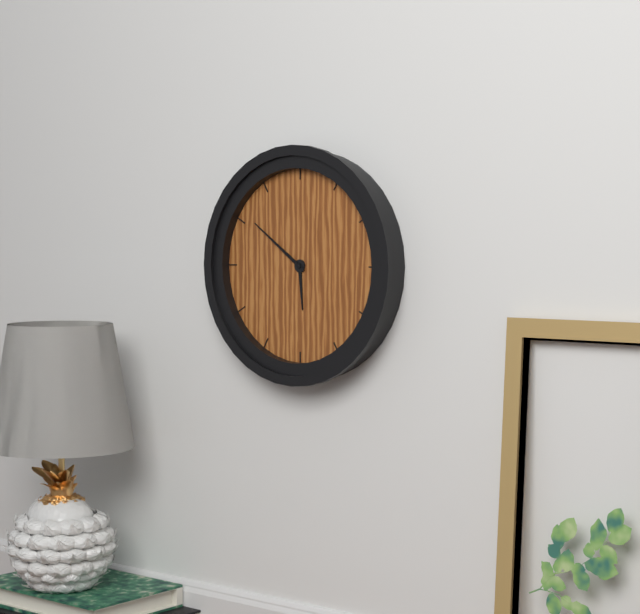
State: 5:51
